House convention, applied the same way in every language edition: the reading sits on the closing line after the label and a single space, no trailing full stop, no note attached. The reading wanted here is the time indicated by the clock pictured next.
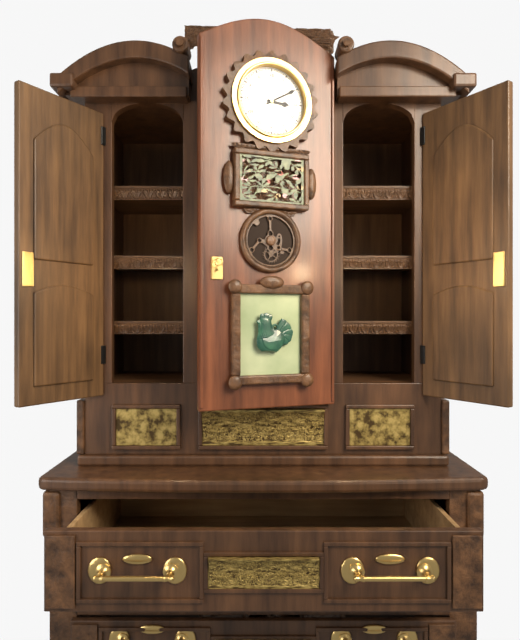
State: 3:10
